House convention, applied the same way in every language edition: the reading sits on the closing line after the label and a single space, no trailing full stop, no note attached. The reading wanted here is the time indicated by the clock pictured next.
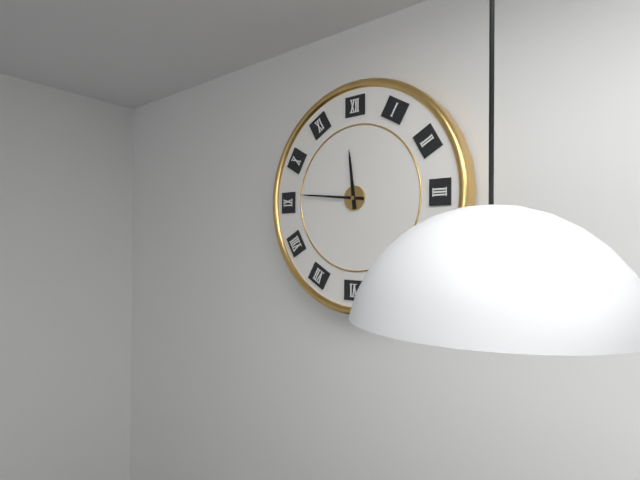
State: 11:46
